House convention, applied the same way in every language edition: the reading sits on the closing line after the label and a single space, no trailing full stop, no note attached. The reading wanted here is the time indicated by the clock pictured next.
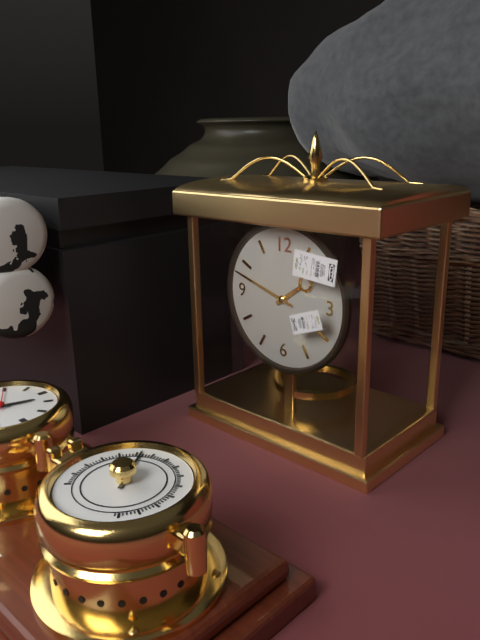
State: 1:48
